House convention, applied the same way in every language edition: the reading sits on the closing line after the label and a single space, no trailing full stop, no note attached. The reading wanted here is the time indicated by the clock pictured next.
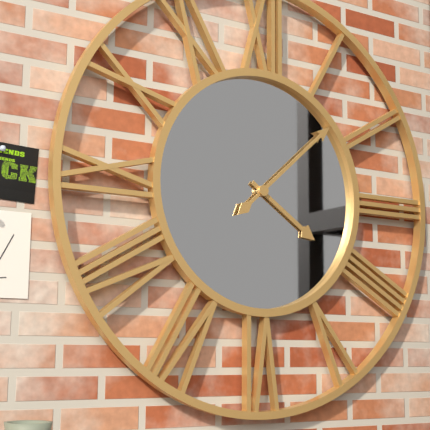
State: 4:08
